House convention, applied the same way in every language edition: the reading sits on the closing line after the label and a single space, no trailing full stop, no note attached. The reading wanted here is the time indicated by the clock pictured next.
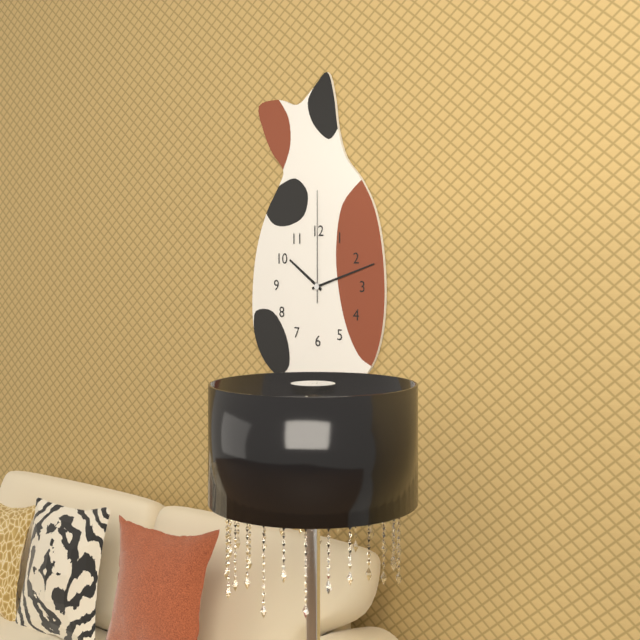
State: 10:12:00
